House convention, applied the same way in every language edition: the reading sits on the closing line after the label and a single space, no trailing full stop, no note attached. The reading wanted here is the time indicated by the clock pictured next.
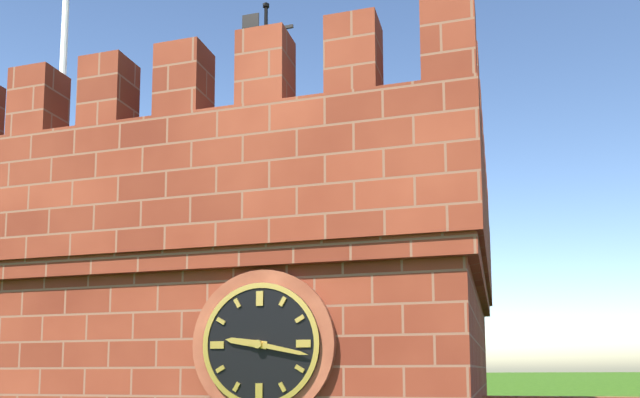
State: 9:17
